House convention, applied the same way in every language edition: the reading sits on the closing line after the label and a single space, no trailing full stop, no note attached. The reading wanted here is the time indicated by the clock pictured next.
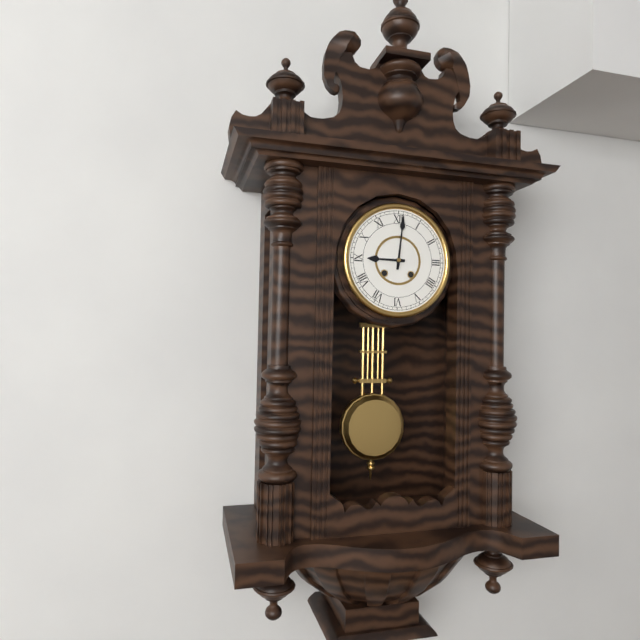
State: 9:01
